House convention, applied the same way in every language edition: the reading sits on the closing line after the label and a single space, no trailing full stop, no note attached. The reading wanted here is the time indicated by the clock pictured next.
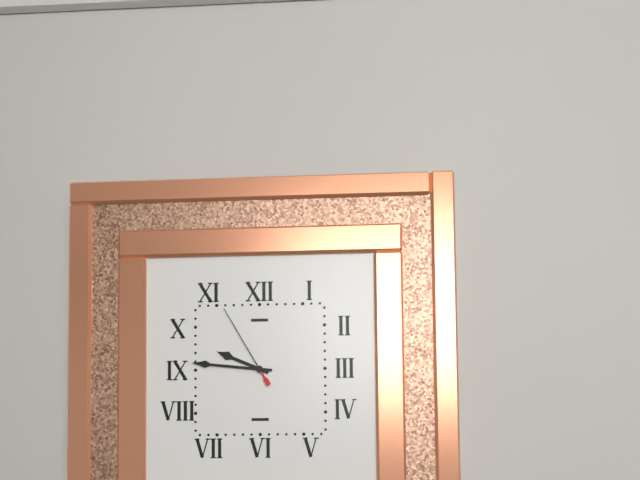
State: 9:46:55
